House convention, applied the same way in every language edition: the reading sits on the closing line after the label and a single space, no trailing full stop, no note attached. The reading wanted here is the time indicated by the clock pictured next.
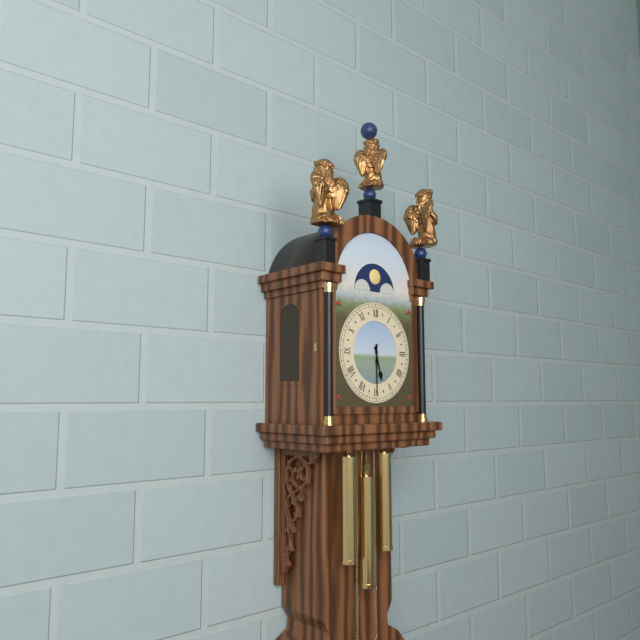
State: 5:30
